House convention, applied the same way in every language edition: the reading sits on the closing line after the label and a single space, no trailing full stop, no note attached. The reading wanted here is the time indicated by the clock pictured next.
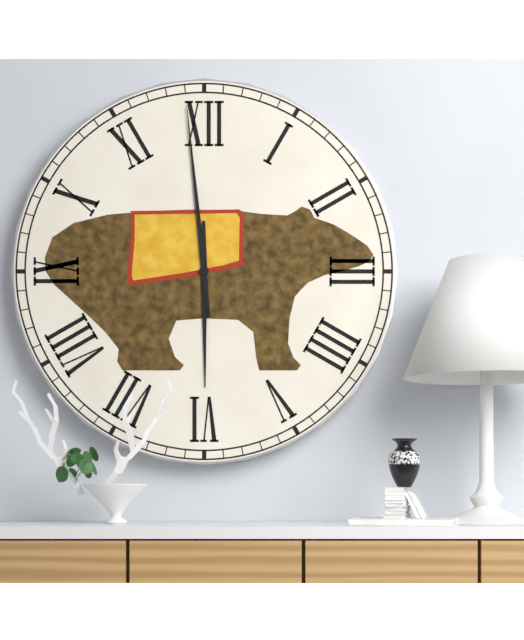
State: 5:59
